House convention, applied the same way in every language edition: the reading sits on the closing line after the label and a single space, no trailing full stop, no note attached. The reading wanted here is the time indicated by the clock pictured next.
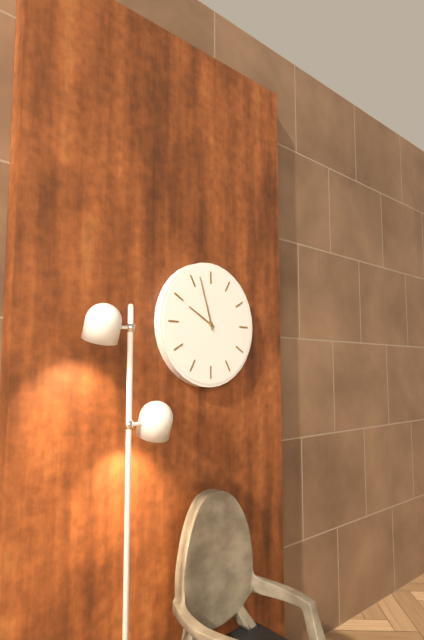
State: 9:57
